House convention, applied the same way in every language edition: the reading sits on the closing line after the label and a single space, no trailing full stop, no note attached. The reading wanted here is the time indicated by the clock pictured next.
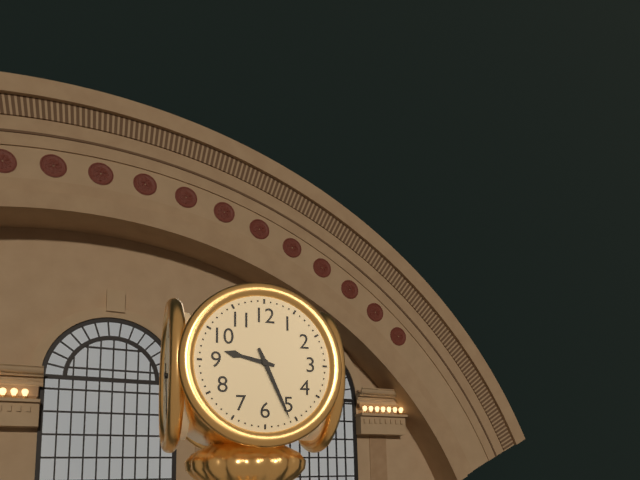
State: 9:26
